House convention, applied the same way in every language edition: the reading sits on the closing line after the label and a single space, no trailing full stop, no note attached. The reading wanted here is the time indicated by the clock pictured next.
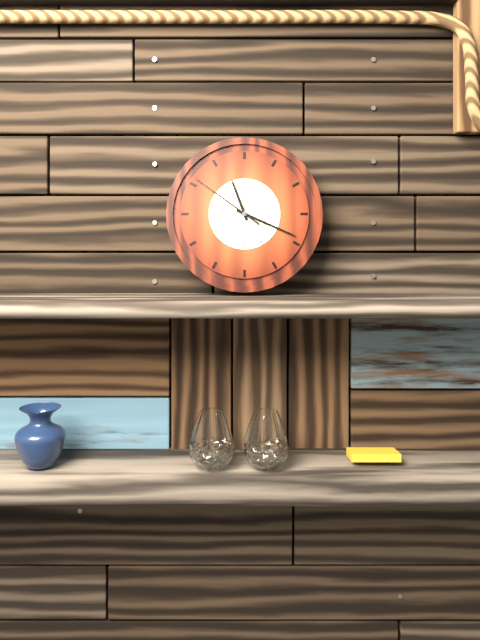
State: 11:19:51
